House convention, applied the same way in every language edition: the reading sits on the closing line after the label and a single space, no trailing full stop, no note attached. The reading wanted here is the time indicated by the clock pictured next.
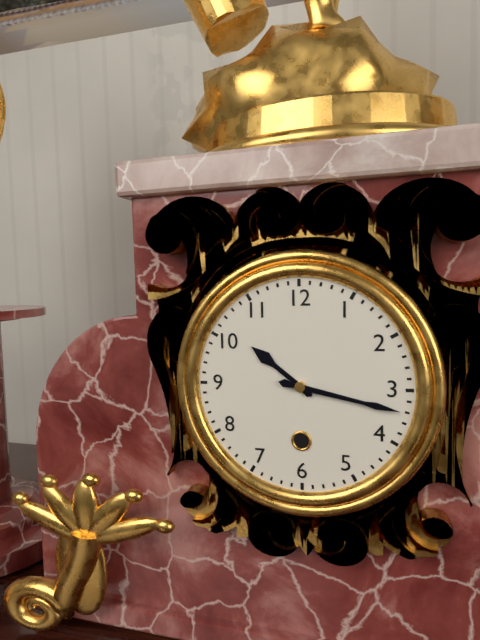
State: 10:17
